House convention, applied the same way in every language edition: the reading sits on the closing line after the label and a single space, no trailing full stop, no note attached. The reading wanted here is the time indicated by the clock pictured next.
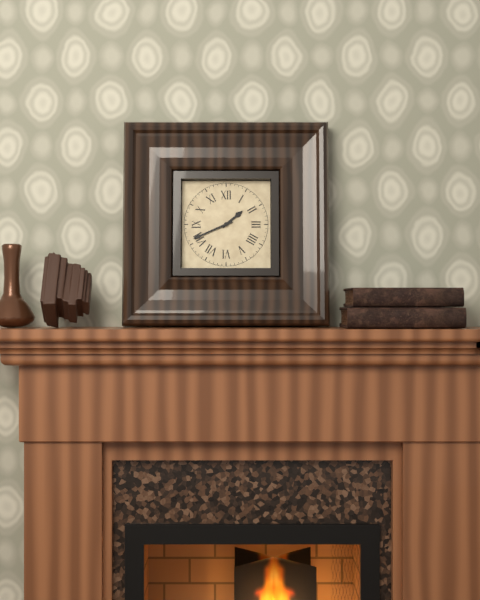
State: 1:41
